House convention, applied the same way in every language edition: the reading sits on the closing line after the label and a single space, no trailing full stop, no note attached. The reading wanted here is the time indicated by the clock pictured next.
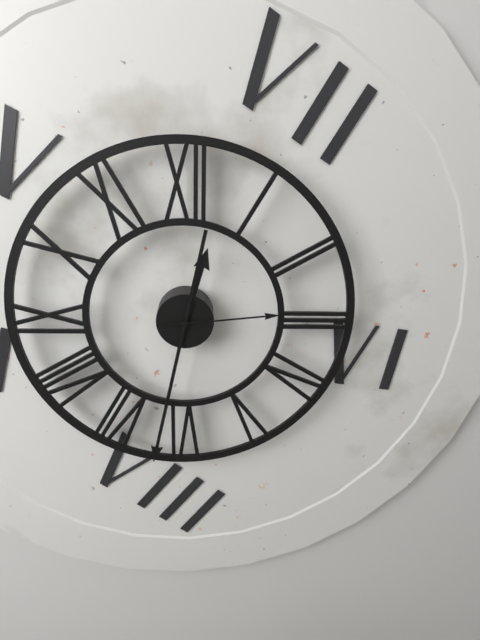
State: 12:32:14
